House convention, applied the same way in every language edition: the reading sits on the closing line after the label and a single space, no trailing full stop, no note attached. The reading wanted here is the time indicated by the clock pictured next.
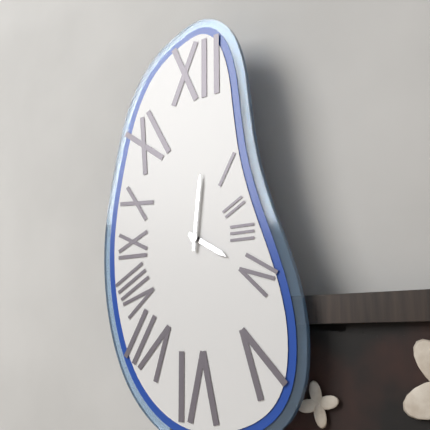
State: 4:01
